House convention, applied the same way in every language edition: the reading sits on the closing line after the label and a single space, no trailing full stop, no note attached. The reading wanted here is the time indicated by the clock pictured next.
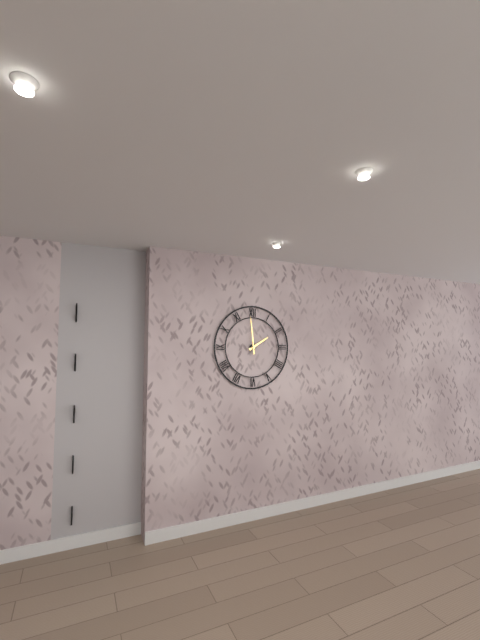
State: 1:59
